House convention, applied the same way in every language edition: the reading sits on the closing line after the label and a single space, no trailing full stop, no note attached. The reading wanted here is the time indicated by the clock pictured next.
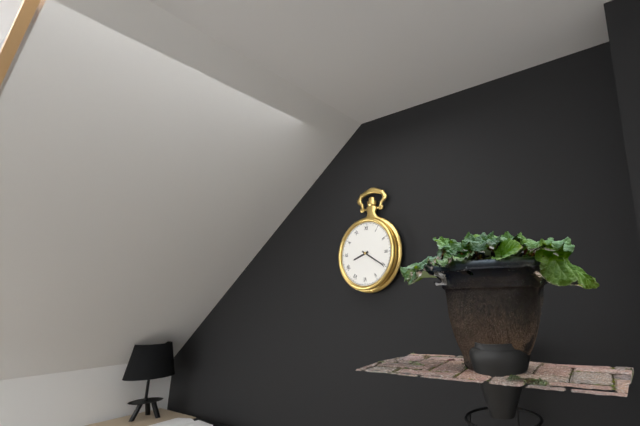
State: 8:20
